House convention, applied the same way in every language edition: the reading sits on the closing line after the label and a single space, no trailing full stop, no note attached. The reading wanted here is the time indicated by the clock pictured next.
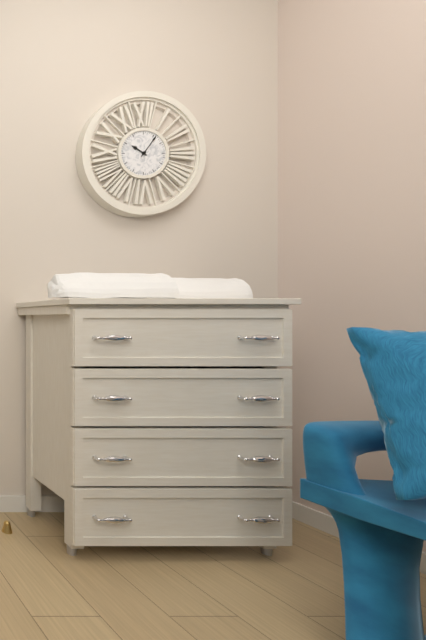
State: 10:06
